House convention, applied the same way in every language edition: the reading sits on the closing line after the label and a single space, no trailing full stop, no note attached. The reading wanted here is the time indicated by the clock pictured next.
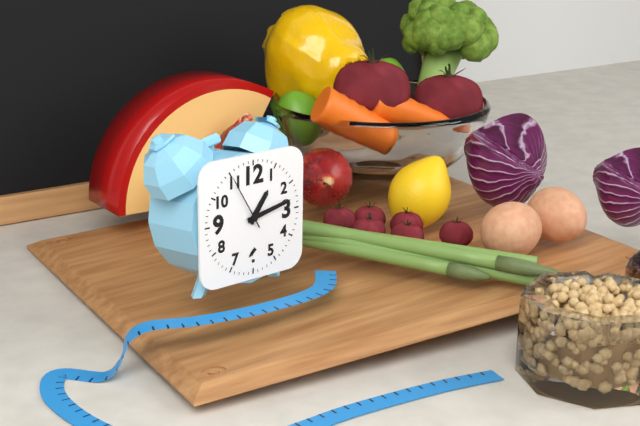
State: 1:13:55
